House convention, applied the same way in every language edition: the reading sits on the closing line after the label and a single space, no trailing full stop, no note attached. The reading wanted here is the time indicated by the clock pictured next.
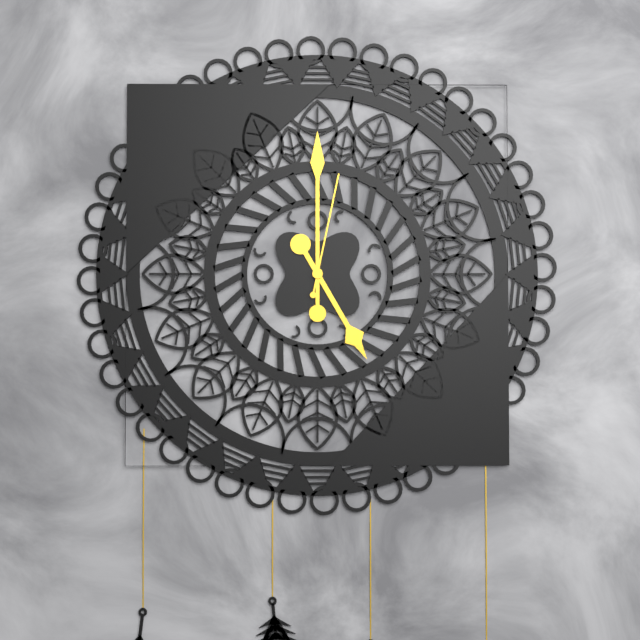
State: 5:00:02
